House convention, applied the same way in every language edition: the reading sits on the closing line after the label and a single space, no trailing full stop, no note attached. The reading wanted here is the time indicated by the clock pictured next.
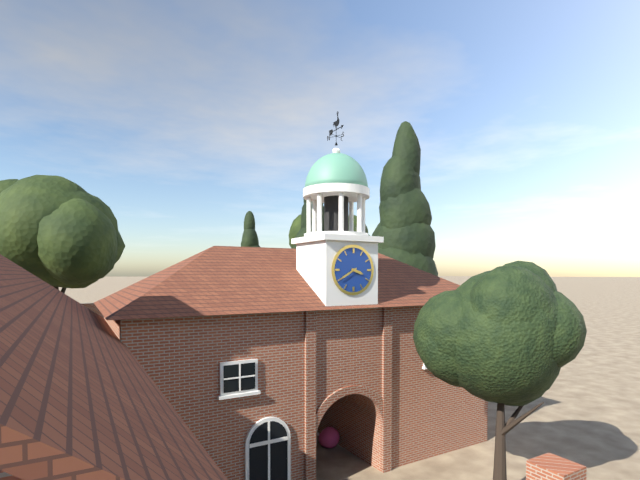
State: 3:40
